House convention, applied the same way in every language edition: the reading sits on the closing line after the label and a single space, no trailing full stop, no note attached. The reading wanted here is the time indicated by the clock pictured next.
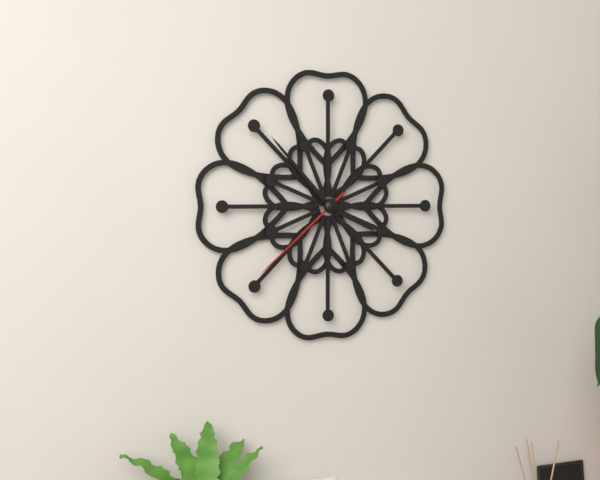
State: 3:53:38
